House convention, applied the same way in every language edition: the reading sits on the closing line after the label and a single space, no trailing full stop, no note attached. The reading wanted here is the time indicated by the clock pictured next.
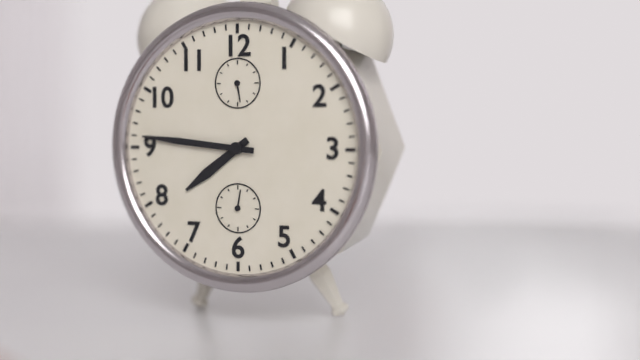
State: 7:46
